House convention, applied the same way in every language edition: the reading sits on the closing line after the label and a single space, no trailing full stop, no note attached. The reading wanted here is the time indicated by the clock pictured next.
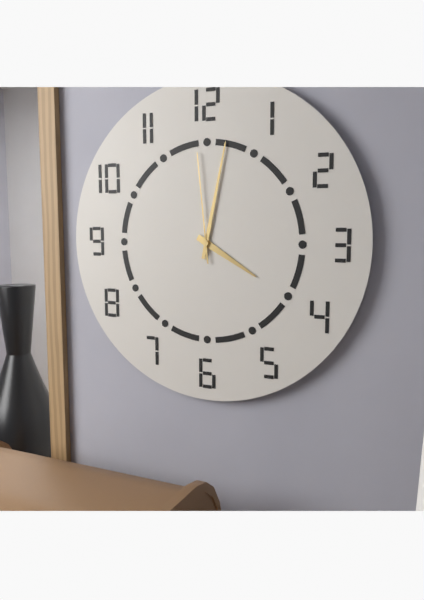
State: 4:02:59
